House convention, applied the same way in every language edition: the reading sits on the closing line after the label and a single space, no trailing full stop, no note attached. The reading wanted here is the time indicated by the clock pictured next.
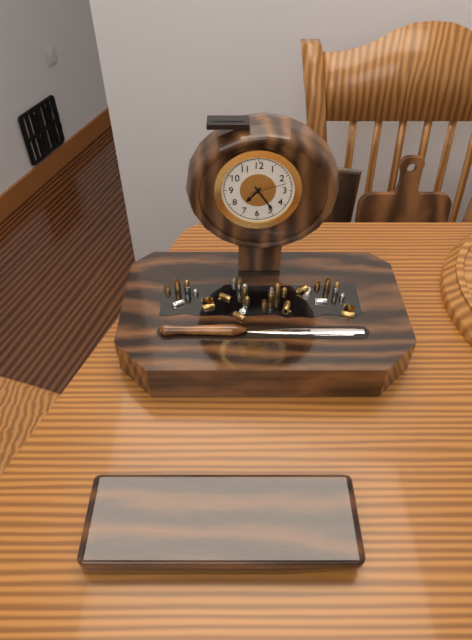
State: 7:24
